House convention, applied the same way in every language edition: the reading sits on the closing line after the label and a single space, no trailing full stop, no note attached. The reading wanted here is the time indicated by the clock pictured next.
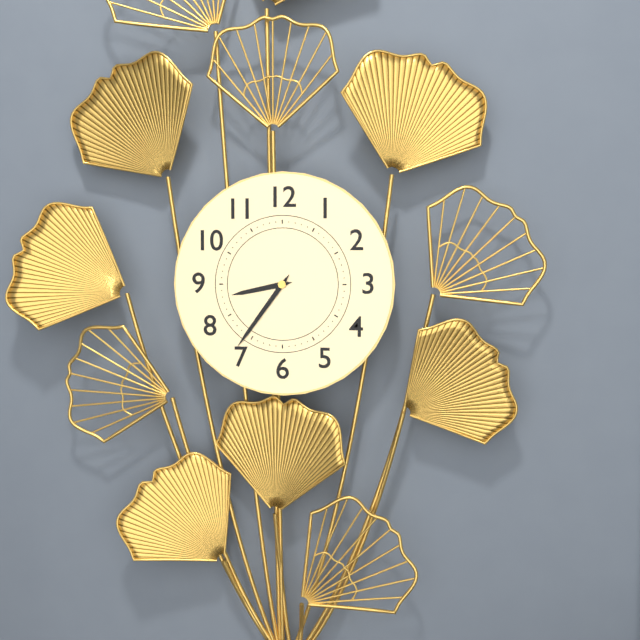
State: 8:36
